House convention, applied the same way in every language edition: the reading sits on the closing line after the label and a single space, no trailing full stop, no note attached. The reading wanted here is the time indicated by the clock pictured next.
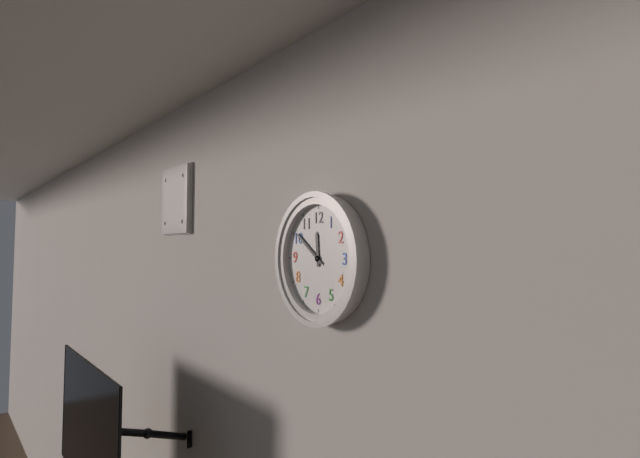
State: 11:51
